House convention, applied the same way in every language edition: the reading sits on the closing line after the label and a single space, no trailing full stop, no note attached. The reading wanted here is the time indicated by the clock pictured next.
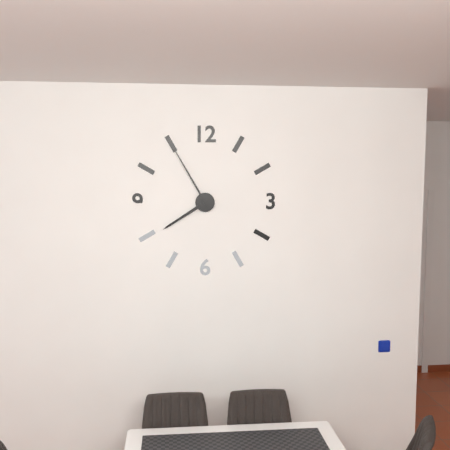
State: 7:55
